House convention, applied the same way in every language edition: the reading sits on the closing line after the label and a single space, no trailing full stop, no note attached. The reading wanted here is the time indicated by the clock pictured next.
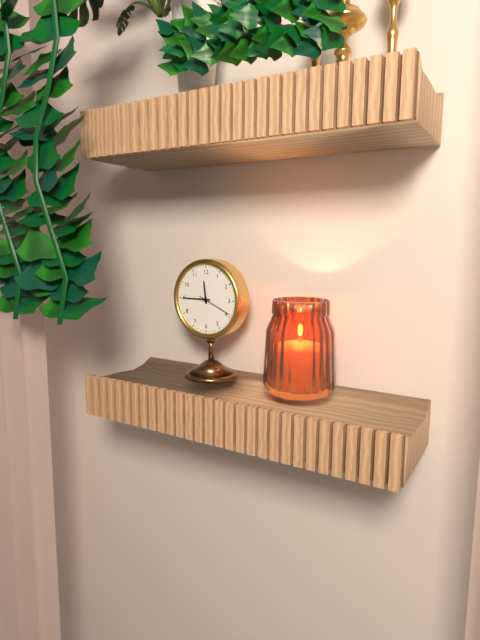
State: 11:45
